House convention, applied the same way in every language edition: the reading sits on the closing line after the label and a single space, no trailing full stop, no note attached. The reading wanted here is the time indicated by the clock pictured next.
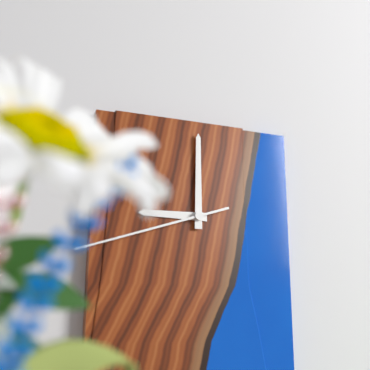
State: 9:00:42
